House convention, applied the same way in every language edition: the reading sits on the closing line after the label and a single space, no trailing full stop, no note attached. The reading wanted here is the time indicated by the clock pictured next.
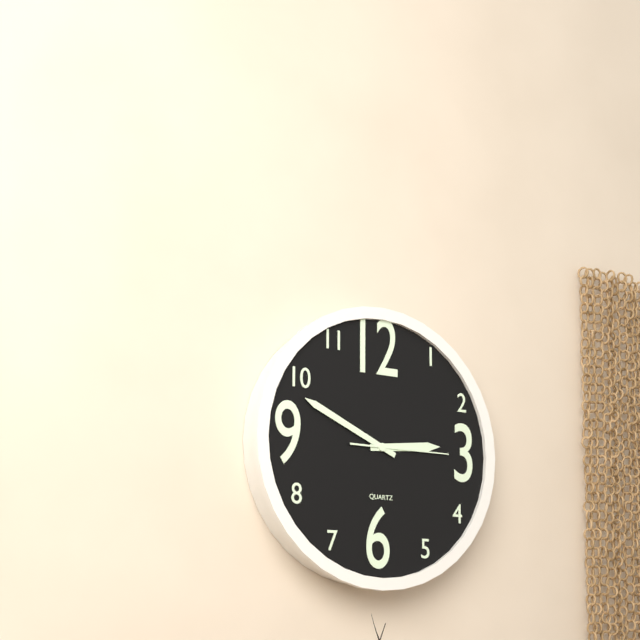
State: 2:49:15
